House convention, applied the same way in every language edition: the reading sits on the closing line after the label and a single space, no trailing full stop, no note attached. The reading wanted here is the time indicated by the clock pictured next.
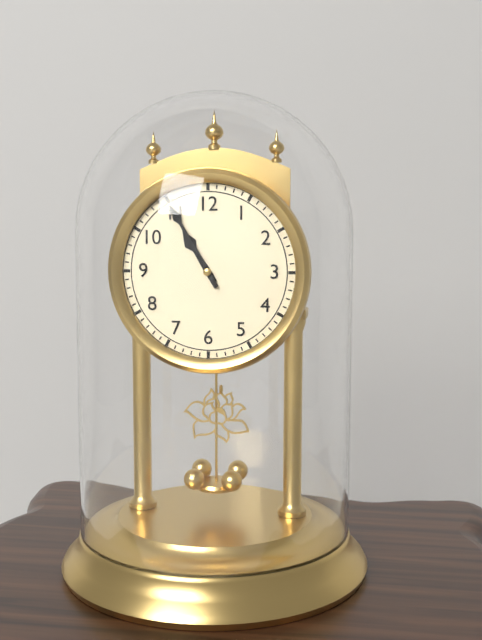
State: 10:55
